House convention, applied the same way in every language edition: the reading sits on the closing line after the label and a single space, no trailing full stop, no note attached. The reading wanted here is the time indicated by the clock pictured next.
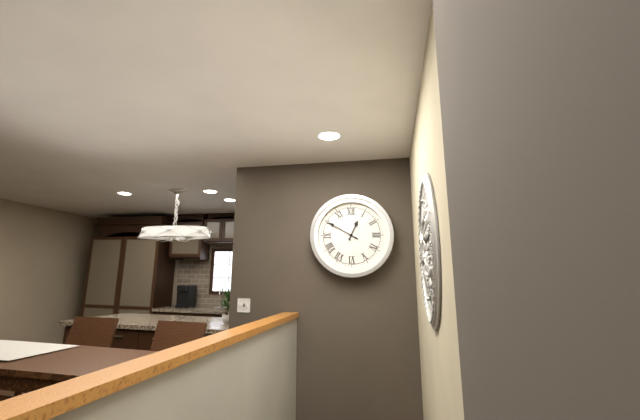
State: 12:50
